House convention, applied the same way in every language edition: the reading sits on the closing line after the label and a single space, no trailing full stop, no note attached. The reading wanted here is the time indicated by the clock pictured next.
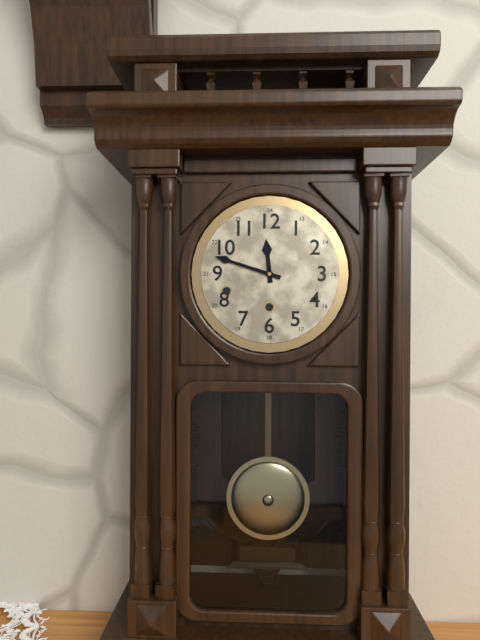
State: 11:48
